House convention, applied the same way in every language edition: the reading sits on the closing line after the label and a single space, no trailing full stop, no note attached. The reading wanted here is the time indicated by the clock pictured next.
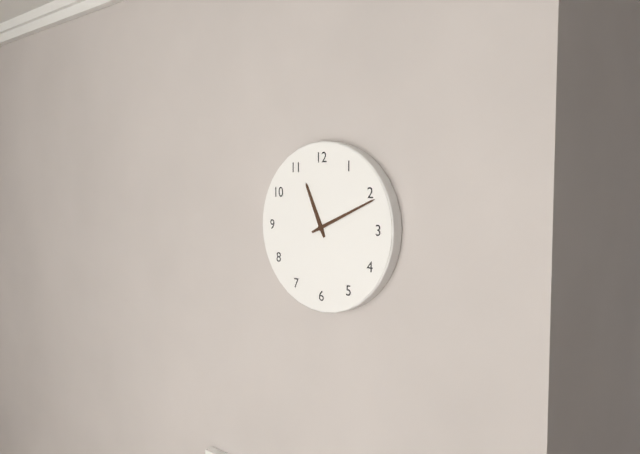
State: 11:11
